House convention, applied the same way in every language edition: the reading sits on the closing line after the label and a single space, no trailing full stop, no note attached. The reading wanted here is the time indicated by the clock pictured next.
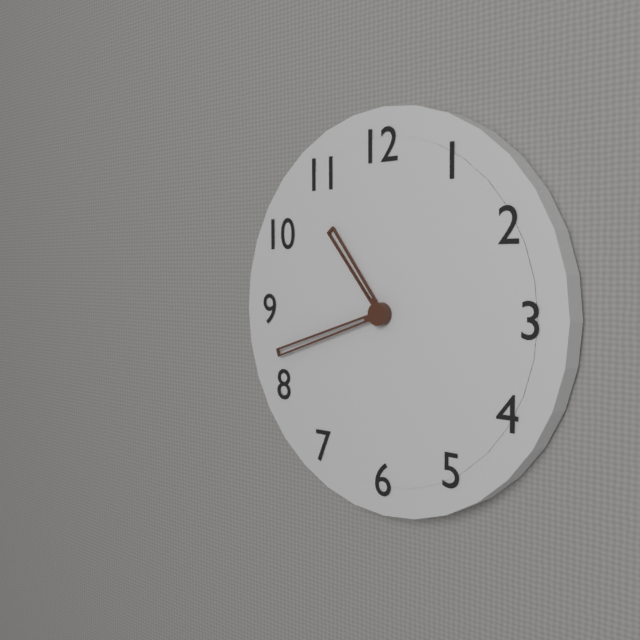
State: 10:42
